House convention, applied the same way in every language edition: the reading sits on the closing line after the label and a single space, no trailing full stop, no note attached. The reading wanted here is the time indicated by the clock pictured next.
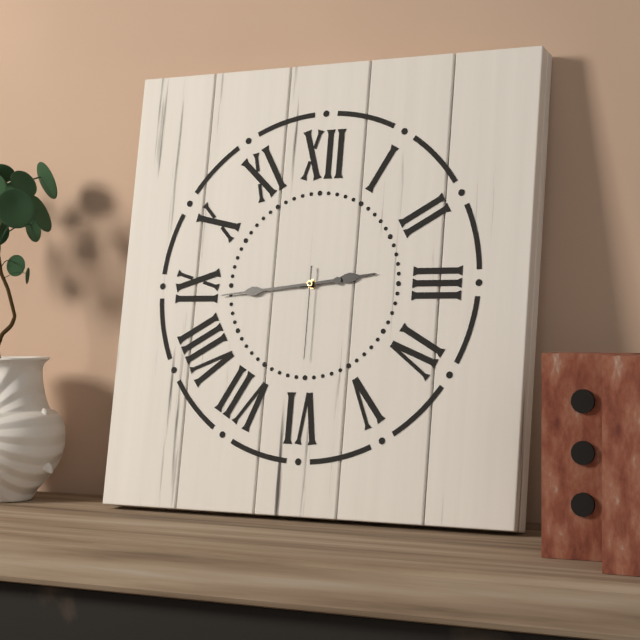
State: 2:44:30
